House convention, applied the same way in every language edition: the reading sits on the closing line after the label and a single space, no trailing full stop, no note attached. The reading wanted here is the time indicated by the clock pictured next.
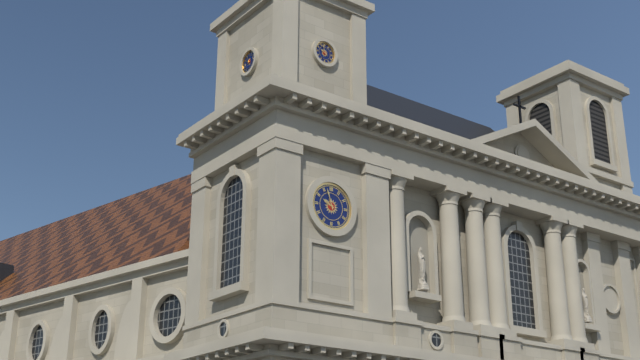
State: 9:57
